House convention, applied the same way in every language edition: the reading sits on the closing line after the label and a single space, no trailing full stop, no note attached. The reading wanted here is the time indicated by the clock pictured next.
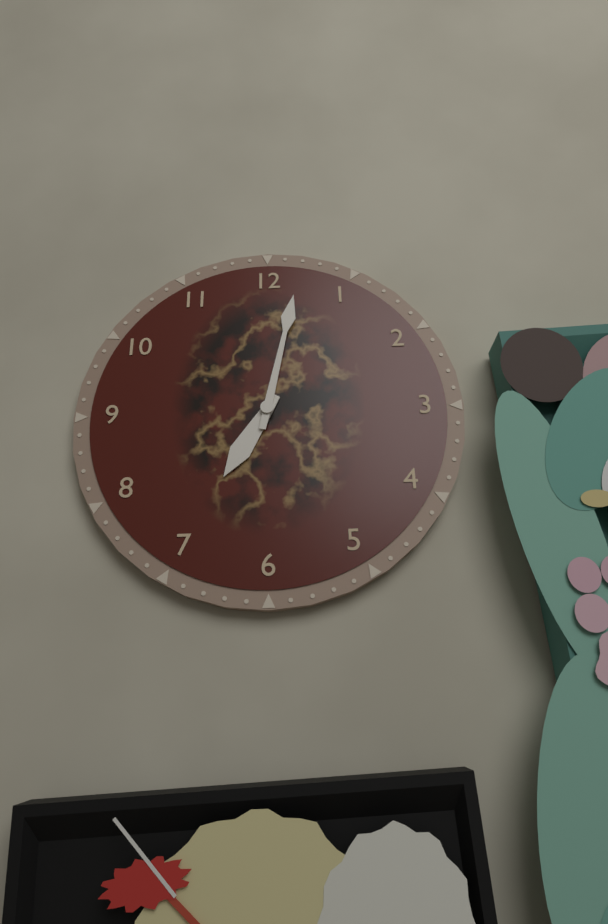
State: 7:02
